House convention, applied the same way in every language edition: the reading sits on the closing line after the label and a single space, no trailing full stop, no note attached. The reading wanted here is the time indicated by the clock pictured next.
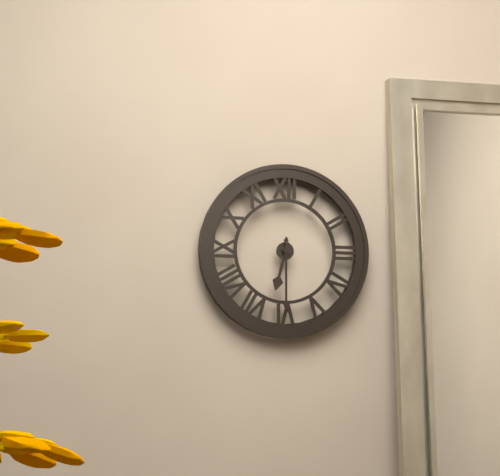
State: 6:30
